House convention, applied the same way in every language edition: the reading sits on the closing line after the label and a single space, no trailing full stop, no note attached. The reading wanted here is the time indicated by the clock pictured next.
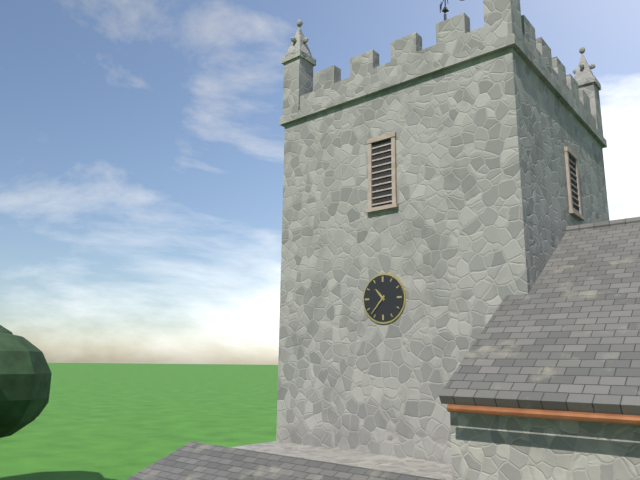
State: 10:37
